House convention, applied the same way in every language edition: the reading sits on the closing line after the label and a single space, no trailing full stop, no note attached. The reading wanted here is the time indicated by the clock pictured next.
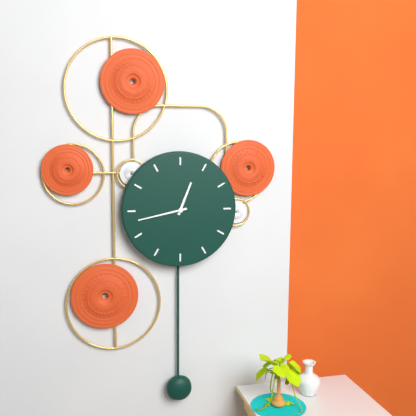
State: 12:43
